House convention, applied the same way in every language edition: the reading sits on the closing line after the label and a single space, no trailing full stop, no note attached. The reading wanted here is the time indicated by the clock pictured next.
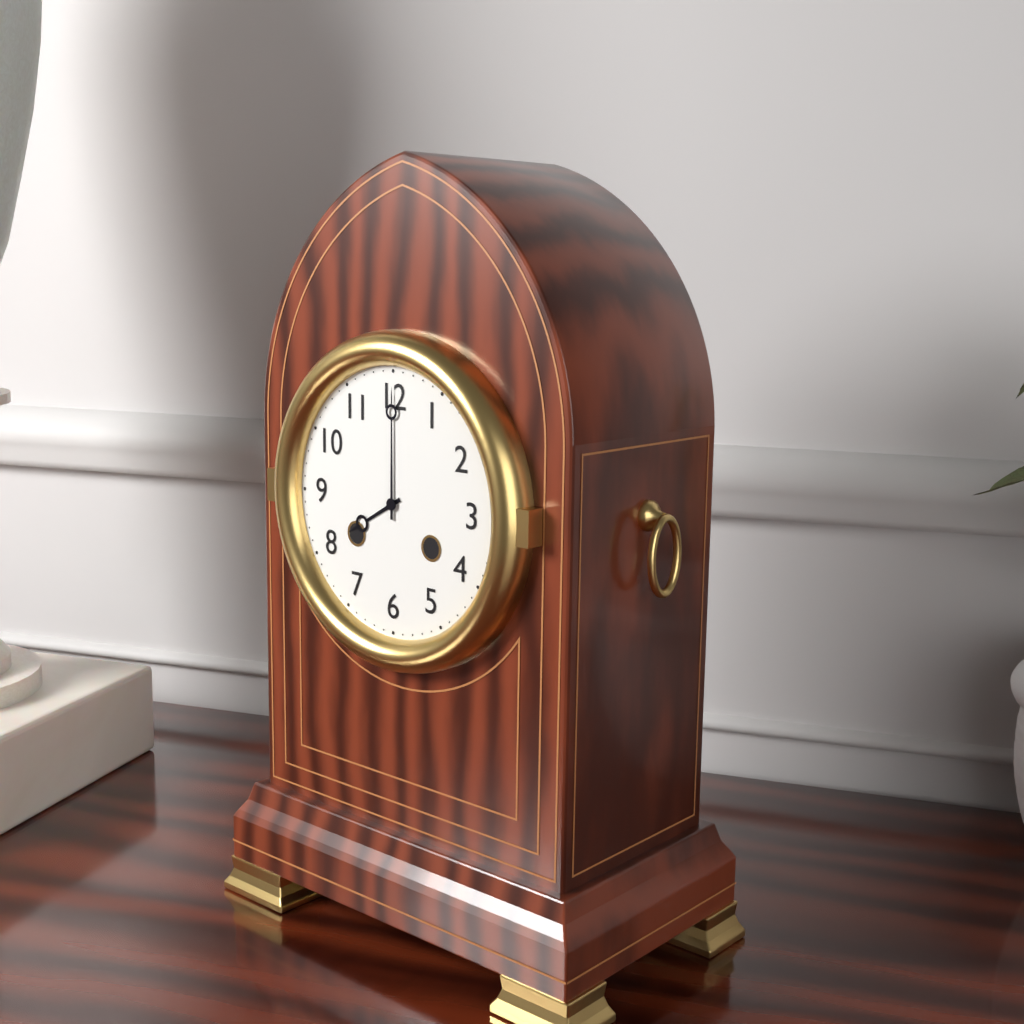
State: 8:00
